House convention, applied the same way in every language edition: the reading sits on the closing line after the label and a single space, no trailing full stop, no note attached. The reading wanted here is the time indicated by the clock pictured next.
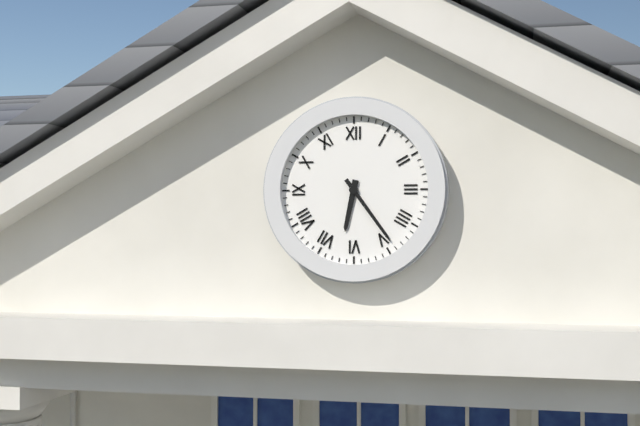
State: 6:24
